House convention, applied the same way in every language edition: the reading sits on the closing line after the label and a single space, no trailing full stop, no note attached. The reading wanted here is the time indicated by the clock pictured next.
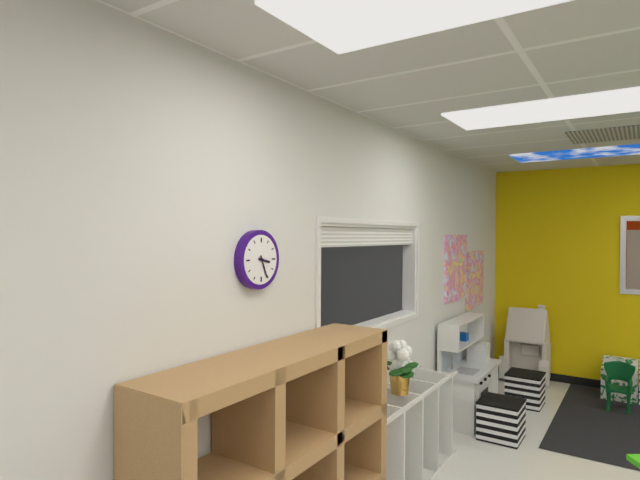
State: 3:26
